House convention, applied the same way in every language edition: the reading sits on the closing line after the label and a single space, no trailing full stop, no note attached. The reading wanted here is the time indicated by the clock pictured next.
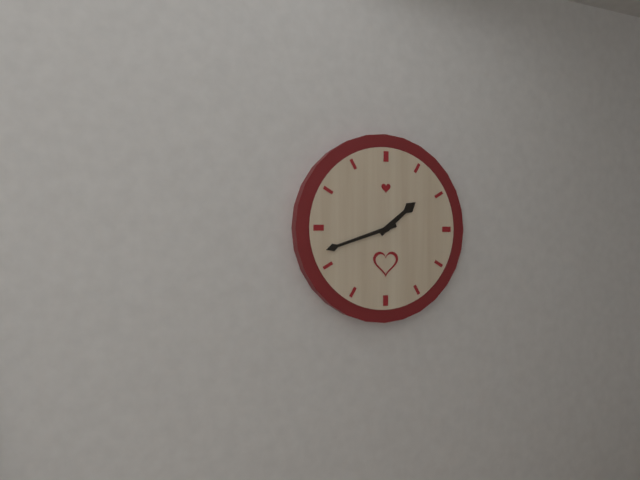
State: 1:42
